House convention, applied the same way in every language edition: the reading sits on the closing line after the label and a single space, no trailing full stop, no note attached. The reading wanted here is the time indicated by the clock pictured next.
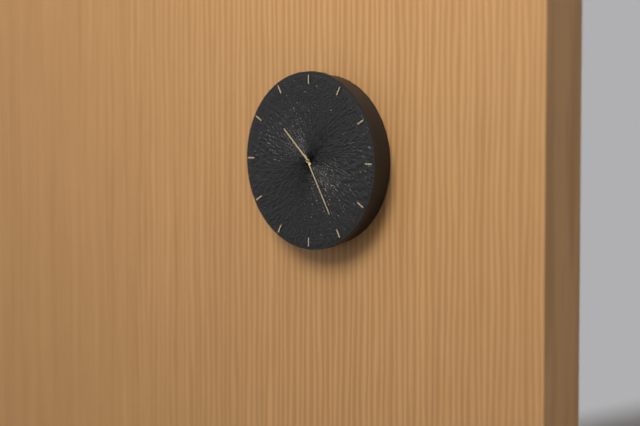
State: 10:25
